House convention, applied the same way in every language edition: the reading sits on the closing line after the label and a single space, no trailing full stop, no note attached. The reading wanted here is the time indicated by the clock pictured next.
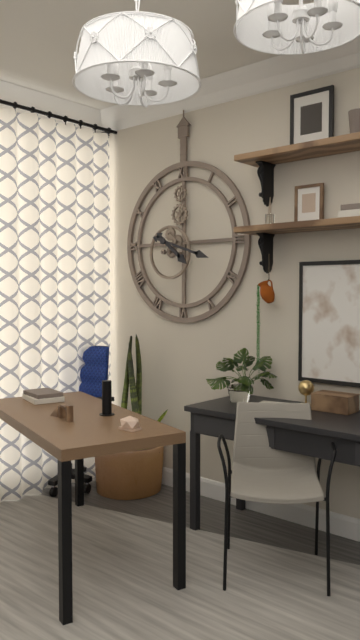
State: 4:18
